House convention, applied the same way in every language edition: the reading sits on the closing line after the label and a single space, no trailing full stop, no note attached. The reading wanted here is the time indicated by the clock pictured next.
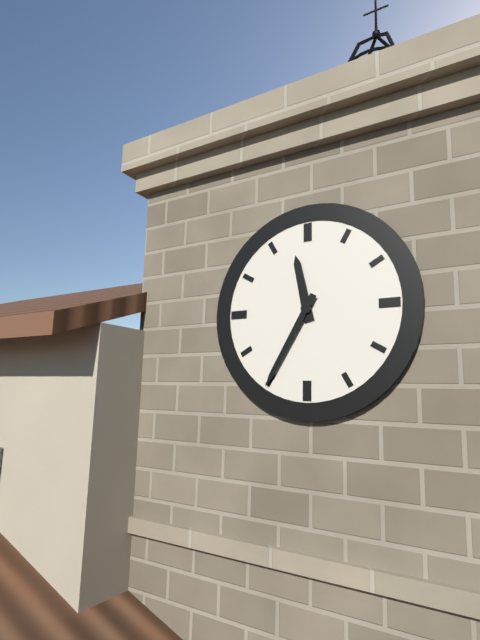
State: 11:35
